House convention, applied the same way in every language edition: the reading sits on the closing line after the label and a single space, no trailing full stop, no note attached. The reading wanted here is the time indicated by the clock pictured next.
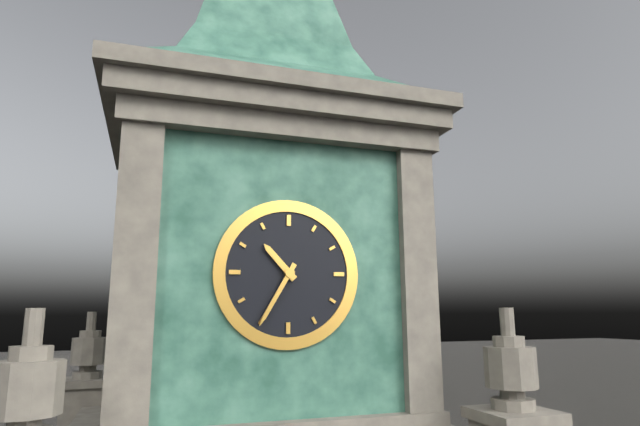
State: 10:35
